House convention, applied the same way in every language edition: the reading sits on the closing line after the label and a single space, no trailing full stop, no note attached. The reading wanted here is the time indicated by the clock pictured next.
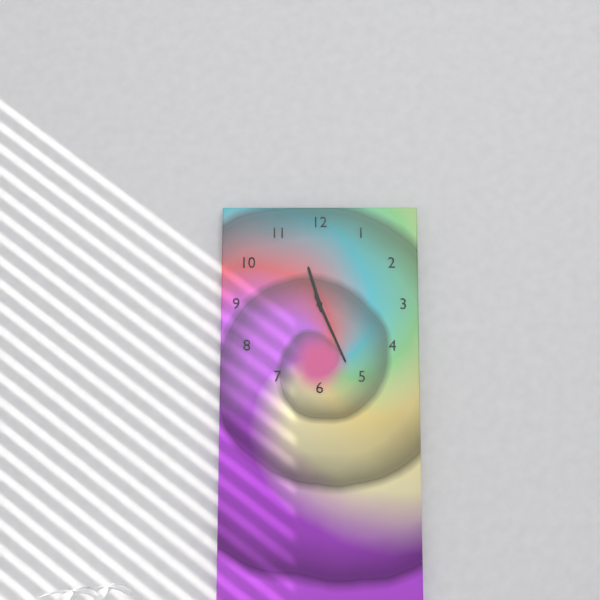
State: 11:26
